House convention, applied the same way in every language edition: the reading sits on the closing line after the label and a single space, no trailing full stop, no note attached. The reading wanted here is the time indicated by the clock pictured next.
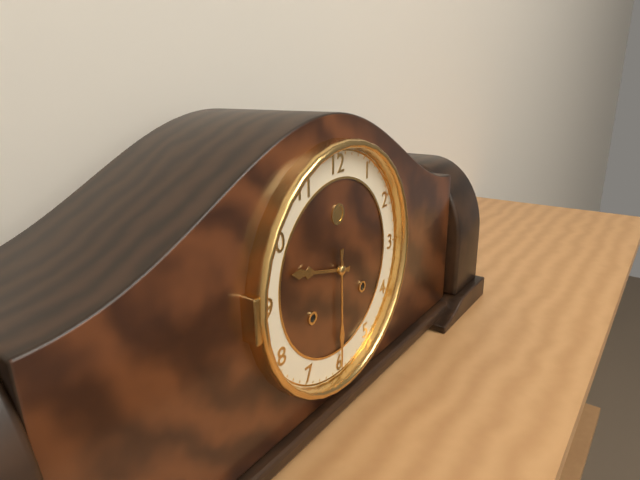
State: 9:30
